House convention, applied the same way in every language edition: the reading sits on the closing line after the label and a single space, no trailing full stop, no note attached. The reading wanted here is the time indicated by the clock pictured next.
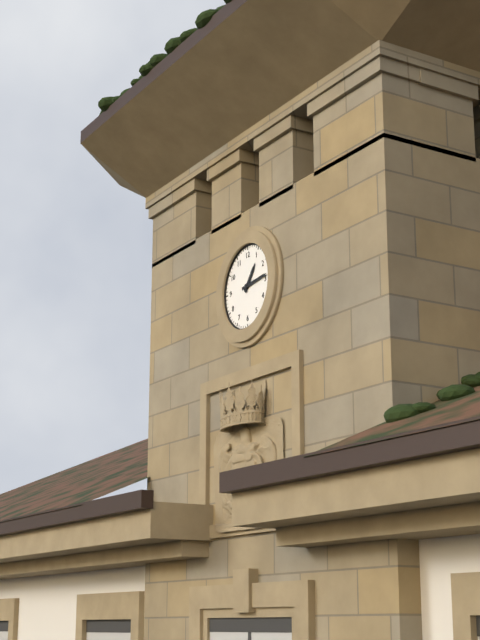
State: 1:14
